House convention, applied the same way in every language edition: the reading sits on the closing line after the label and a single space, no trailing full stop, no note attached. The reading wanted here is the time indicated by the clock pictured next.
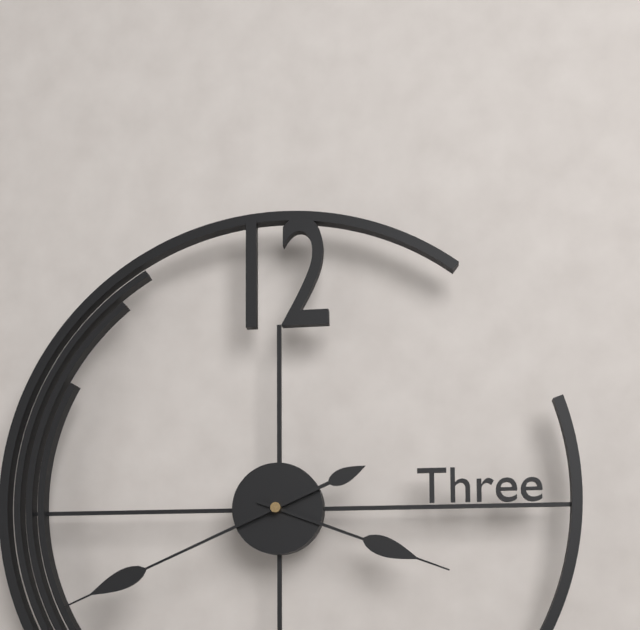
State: 3:41
